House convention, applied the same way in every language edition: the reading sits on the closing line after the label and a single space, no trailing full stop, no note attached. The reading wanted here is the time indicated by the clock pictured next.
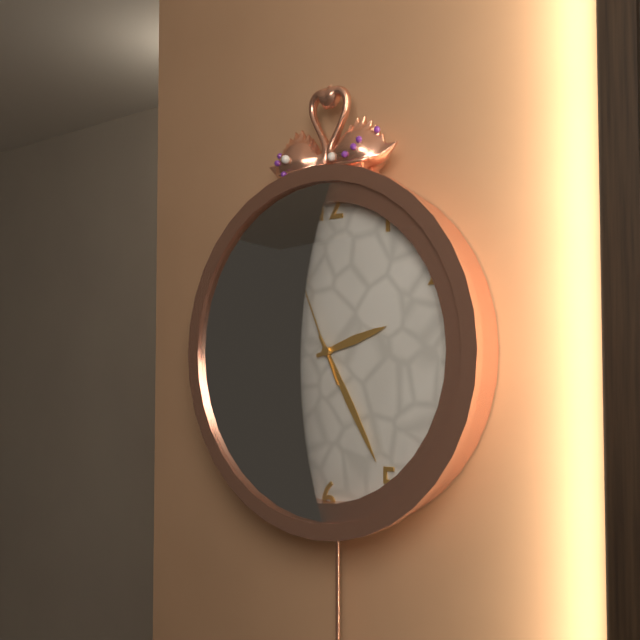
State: 2:25:56
